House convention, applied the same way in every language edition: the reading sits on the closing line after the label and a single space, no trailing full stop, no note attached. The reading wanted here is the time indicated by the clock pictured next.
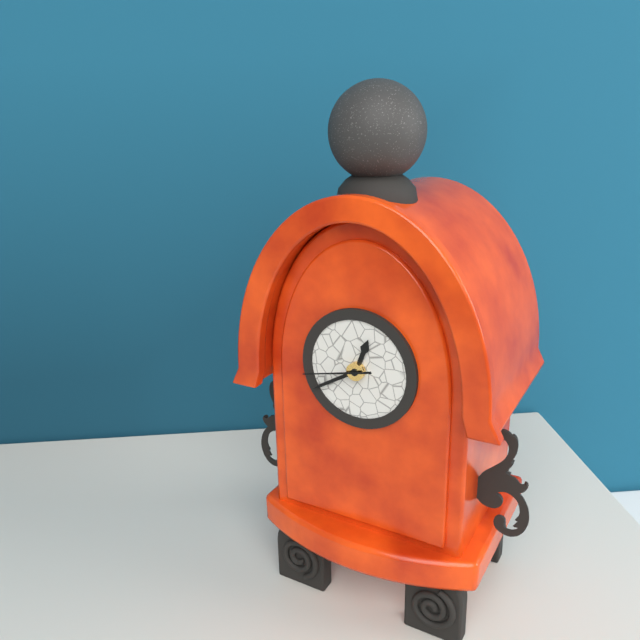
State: 12:40:43
